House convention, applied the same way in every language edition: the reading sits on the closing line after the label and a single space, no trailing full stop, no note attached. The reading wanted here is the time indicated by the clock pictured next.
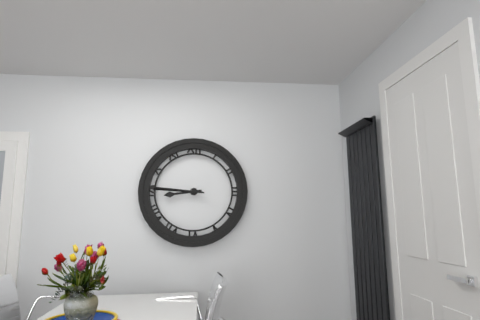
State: 8:46
